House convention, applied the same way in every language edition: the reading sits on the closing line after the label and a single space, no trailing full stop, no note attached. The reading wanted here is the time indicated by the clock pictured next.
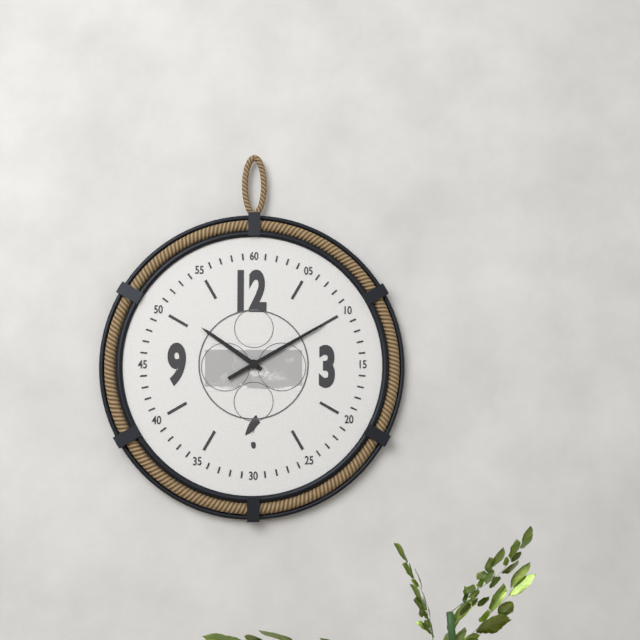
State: 10:10
